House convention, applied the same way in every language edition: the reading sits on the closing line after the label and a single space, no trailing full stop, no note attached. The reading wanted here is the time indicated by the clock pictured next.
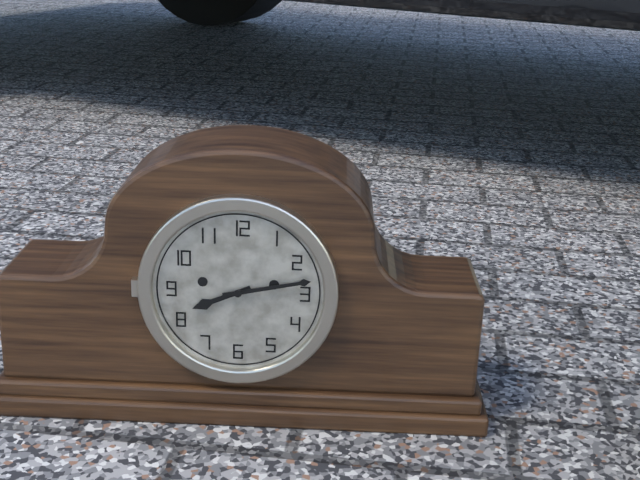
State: 8:13
